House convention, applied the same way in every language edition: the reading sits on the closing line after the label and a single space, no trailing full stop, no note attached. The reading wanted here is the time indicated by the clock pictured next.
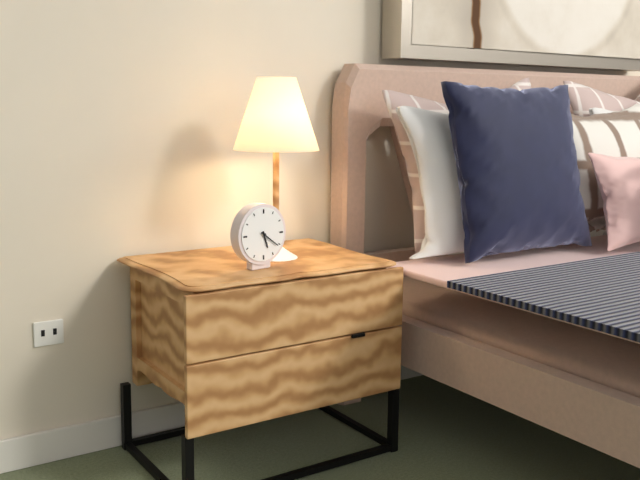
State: 5:21
